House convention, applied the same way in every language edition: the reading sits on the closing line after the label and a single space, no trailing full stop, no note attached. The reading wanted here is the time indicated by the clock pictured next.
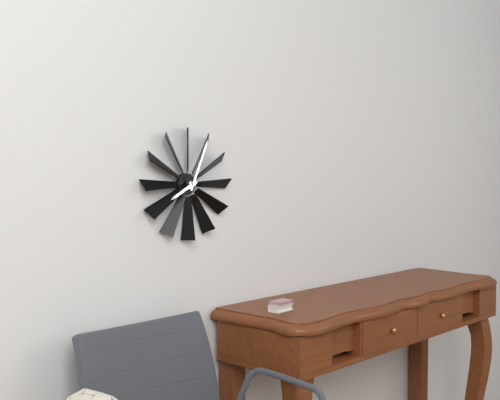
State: 8:04
